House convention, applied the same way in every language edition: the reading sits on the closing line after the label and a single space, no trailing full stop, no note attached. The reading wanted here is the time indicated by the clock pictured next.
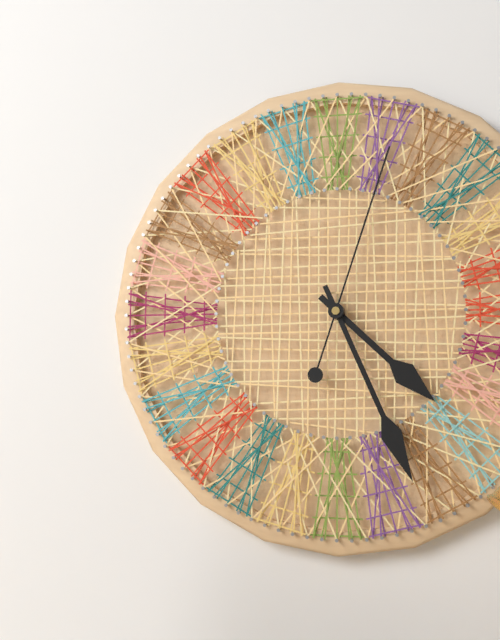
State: 4:26:03
